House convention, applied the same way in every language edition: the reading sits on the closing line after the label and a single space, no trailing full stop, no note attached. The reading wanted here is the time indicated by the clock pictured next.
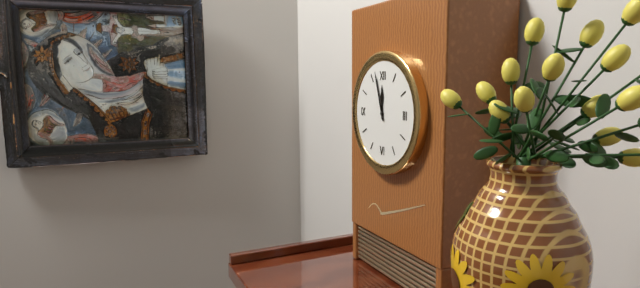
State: 11:57
